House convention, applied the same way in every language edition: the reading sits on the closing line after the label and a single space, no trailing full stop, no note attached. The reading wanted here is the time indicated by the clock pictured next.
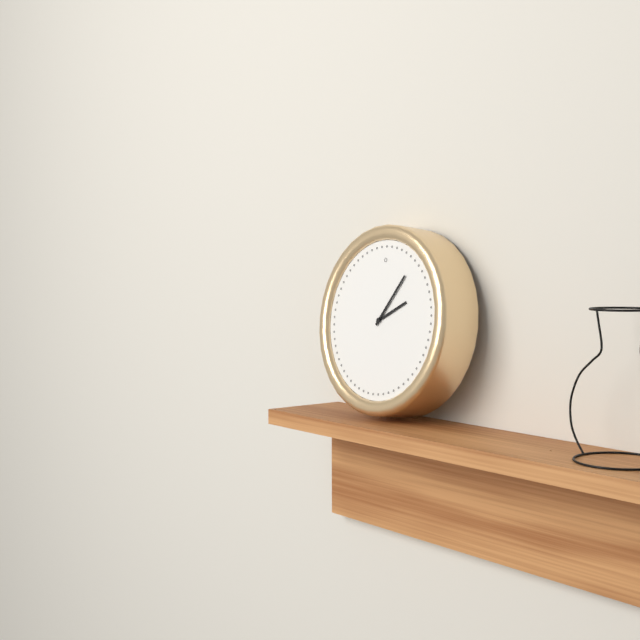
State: 2:06
